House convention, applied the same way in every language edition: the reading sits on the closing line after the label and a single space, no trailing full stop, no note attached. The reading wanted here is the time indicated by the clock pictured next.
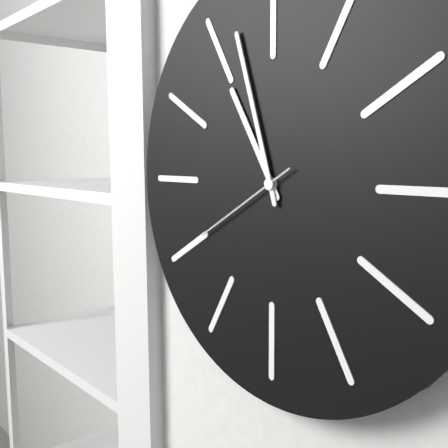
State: 10:57:40
